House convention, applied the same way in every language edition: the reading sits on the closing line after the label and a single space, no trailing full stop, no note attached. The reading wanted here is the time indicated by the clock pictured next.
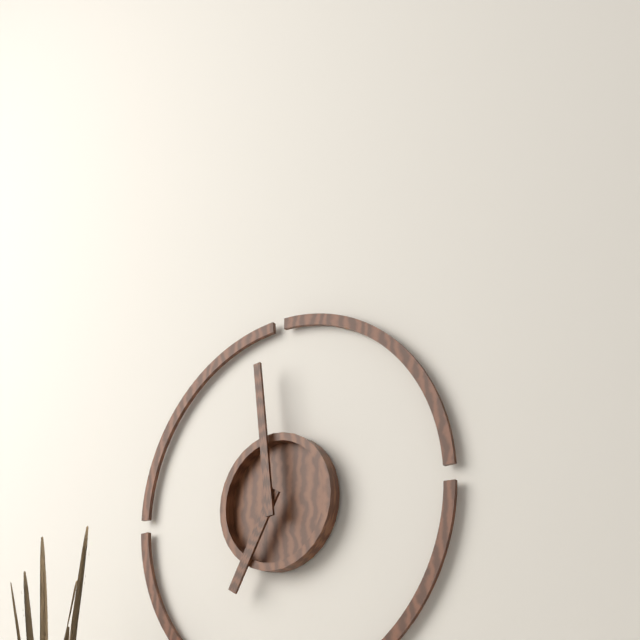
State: 6:59
